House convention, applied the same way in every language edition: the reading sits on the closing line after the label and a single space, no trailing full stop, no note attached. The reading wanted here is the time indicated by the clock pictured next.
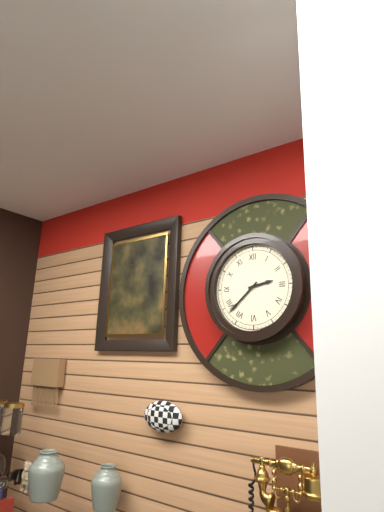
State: 2:38
